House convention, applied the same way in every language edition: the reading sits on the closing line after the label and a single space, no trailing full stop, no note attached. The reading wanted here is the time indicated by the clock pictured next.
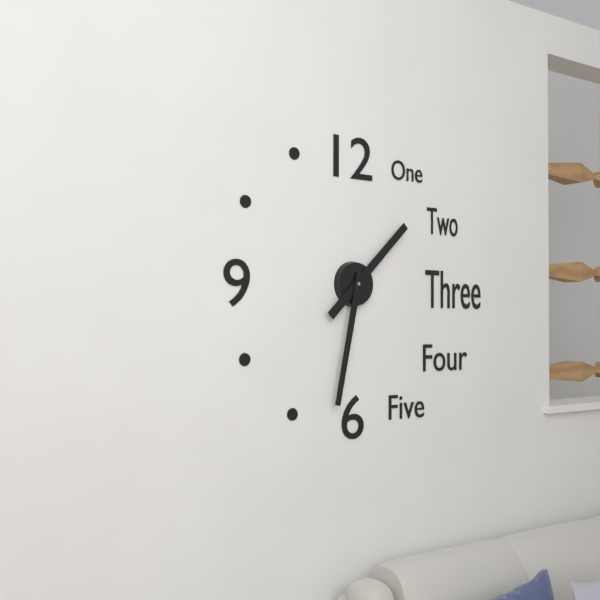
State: 1:32
